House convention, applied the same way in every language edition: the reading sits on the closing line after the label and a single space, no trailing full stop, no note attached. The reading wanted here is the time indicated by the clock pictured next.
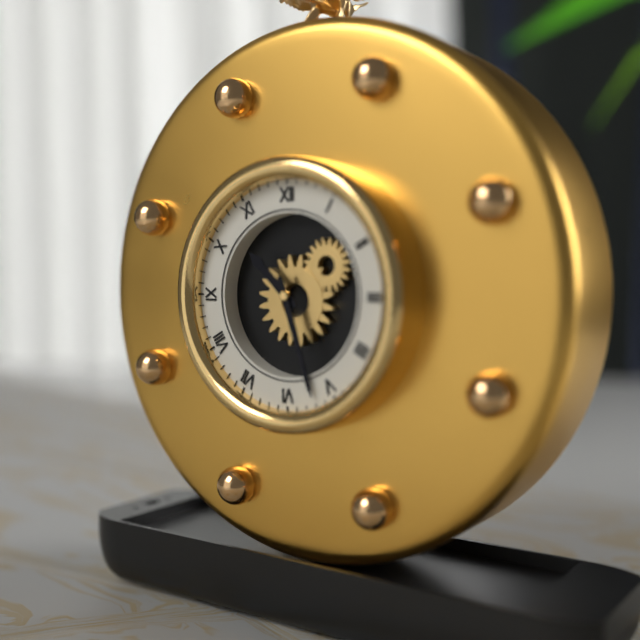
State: 10:27
